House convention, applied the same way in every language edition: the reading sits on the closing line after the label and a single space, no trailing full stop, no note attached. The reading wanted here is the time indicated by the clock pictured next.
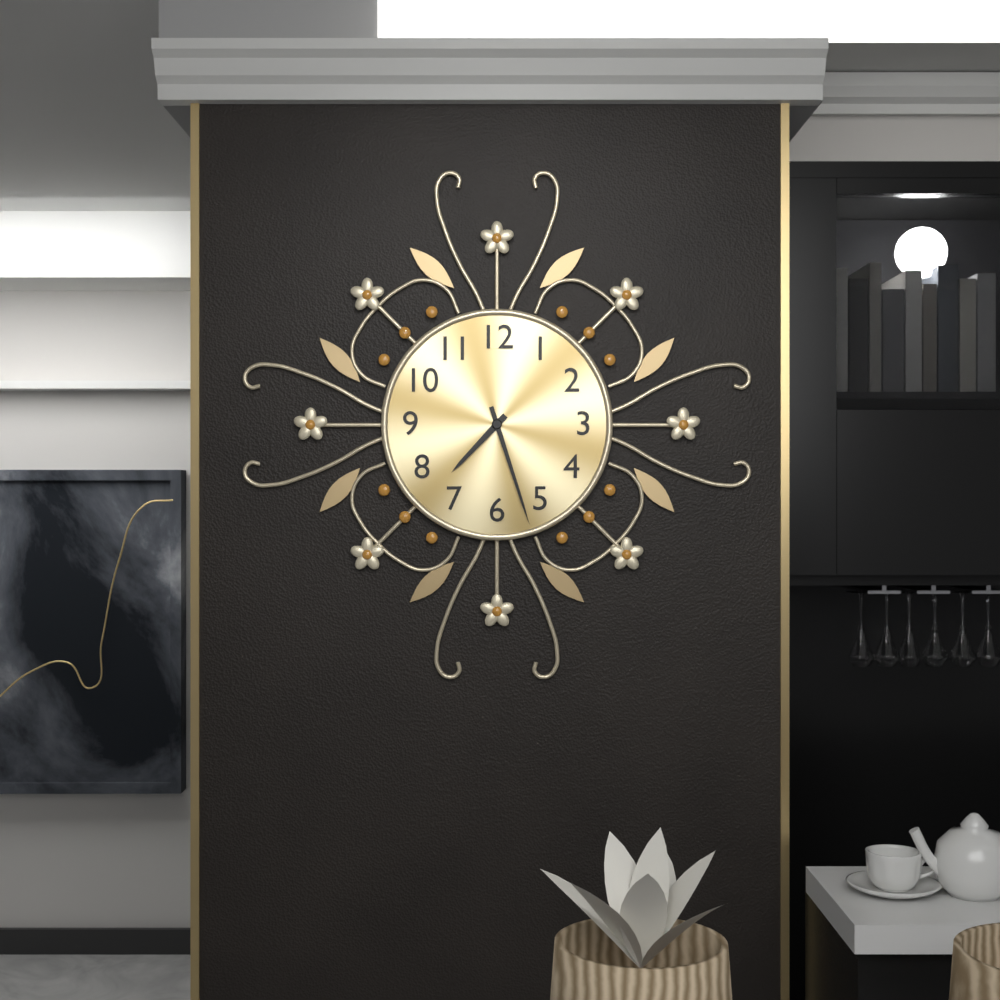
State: 7:27
